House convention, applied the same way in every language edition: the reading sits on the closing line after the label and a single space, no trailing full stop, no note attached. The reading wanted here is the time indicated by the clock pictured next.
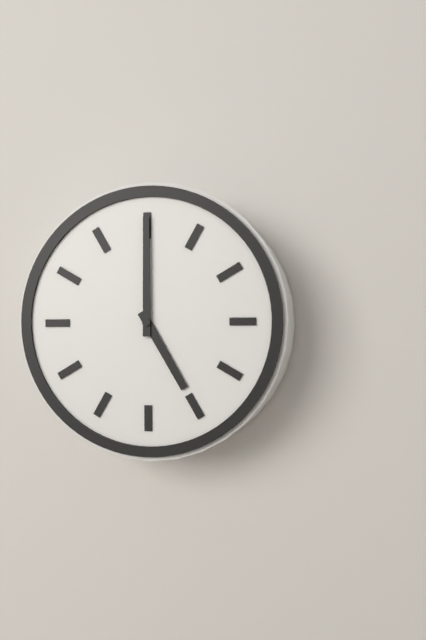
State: 5:00
